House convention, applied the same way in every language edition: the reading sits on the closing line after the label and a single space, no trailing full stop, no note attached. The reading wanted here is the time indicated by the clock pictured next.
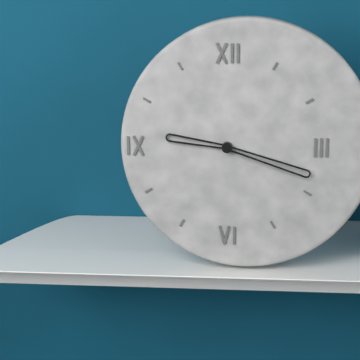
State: 9:18
